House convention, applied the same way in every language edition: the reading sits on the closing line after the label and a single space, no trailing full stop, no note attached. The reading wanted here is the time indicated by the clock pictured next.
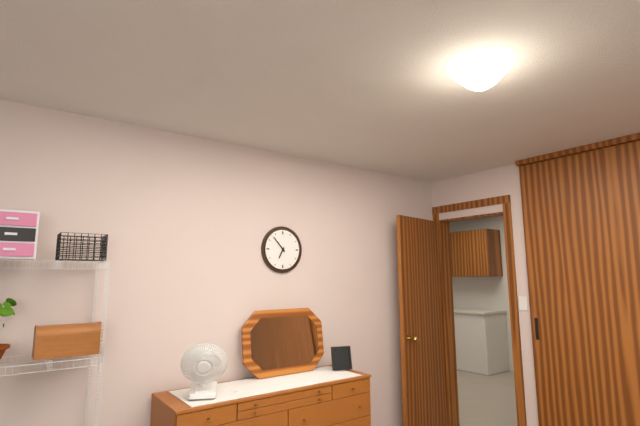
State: 6:53
